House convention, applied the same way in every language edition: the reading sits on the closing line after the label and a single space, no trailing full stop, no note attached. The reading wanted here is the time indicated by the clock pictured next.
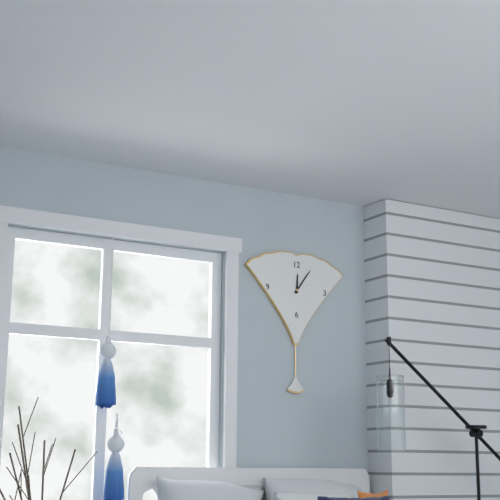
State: 12:06
